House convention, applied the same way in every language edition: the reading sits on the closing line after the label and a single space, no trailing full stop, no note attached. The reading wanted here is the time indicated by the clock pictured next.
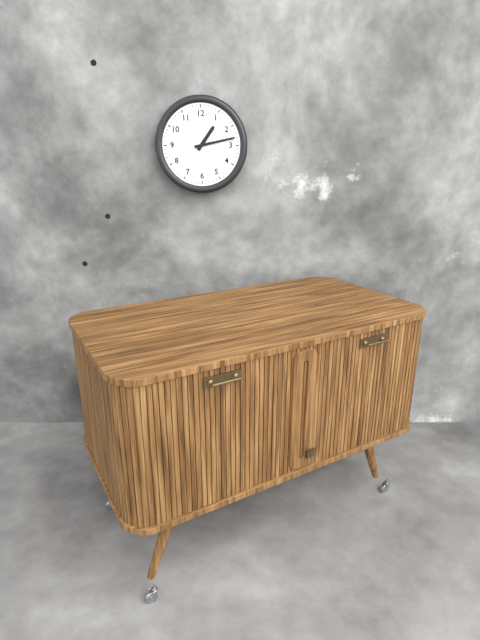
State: 1:13
